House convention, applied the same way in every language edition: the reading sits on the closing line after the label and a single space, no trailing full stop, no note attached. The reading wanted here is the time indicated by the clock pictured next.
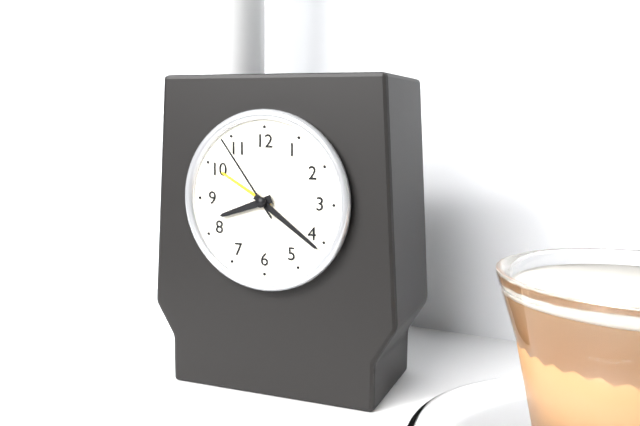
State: 8:21:54
